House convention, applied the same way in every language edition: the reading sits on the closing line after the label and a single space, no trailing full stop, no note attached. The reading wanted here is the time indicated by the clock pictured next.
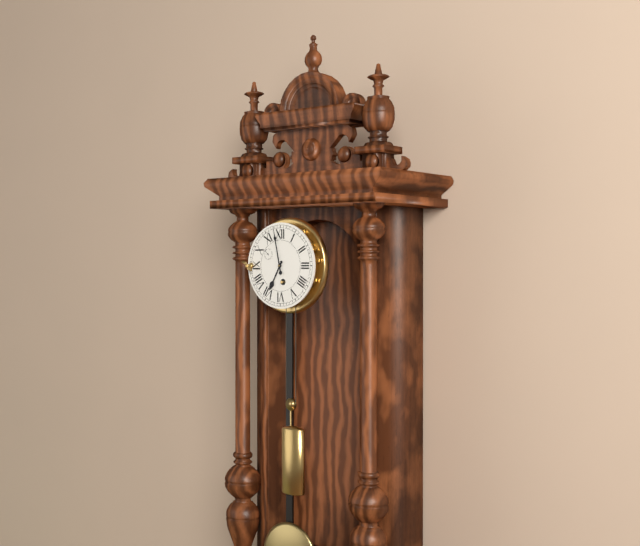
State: 6:58
